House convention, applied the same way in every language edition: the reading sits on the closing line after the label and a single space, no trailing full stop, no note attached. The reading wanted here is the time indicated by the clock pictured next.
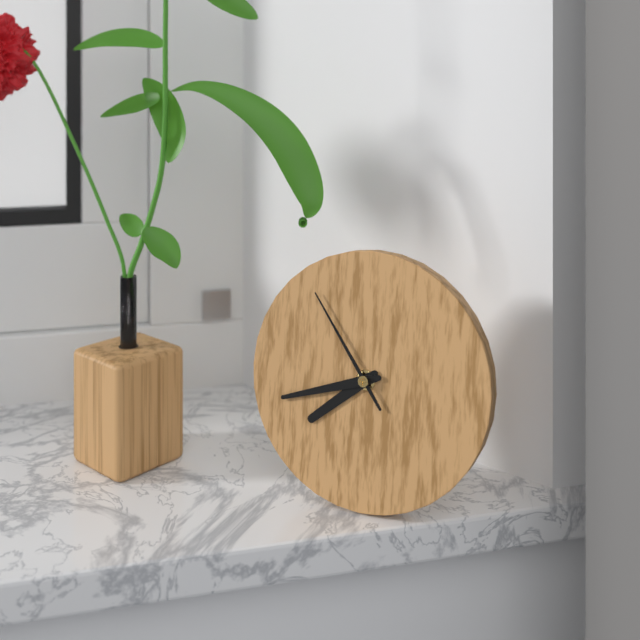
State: 7:42:54
